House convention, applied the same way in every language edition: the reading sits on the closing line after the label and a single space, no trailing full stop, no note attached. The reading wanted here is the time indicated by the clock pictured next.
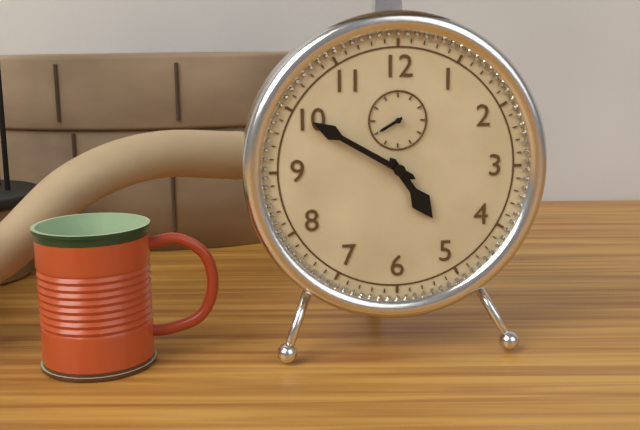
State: 4:50
